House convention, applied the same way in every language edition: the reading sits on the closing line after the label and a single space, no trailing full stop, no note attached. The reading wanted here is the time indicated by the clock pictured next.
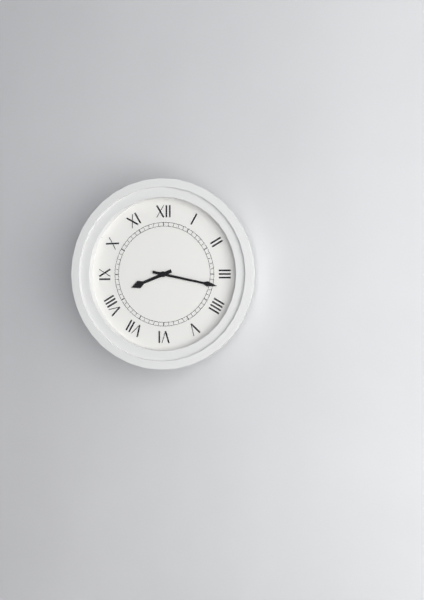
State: 8:17
